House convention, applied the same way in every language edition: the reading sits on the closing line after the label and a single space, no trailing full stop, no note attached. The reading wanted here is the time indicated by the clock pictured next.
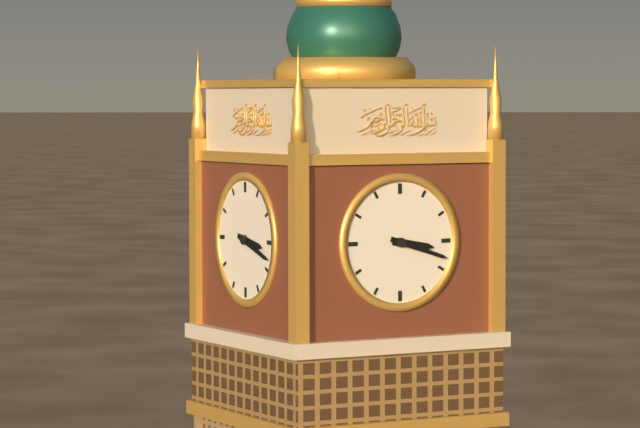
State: 3:18
